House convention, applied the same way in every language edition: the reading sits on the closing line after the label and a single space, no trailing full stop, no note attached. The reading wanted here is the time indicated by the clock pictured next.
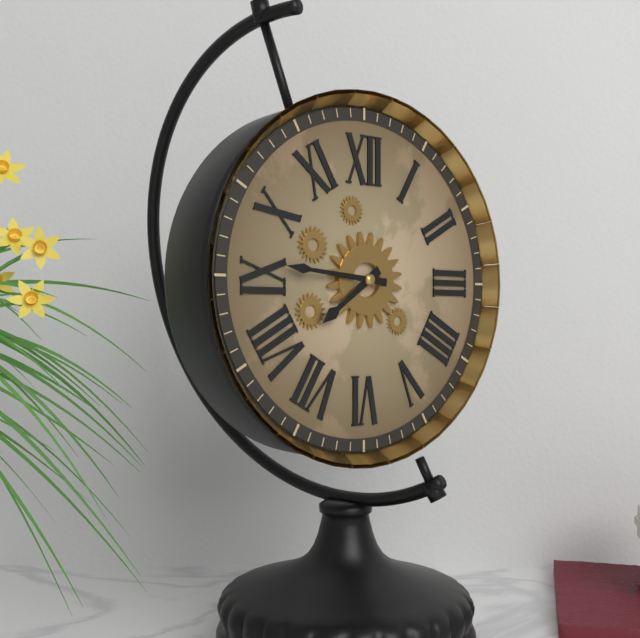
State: 7:46
